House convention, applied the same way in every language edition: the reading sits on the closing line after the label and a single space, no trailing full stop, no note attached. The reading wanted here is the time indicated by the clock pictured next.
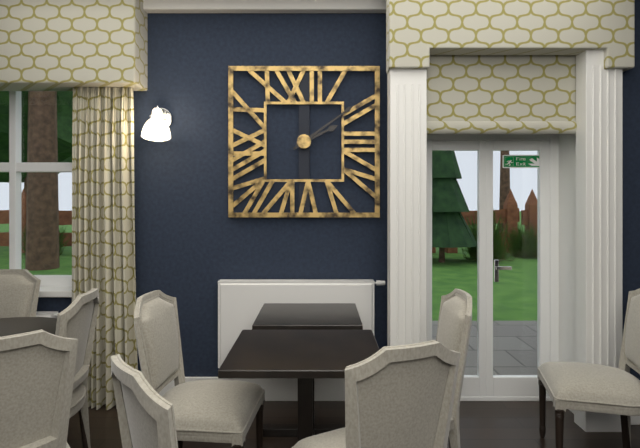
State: 2:09
